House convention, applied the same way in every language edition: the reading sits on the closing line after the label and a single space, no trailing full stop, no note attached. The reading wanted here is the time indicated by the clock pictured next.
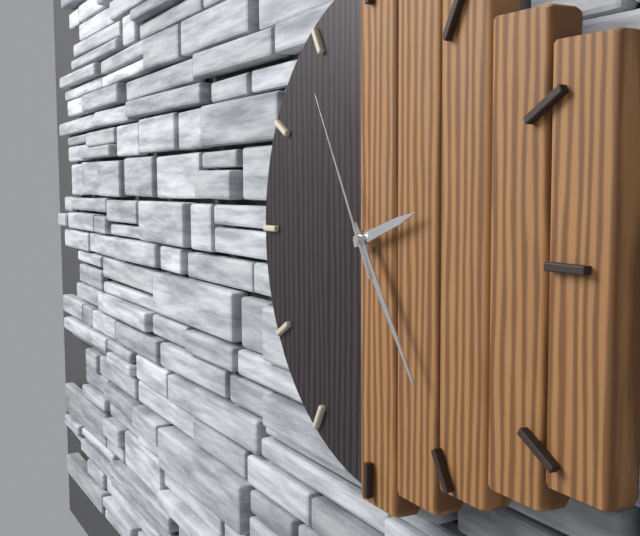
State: 2:24:55
